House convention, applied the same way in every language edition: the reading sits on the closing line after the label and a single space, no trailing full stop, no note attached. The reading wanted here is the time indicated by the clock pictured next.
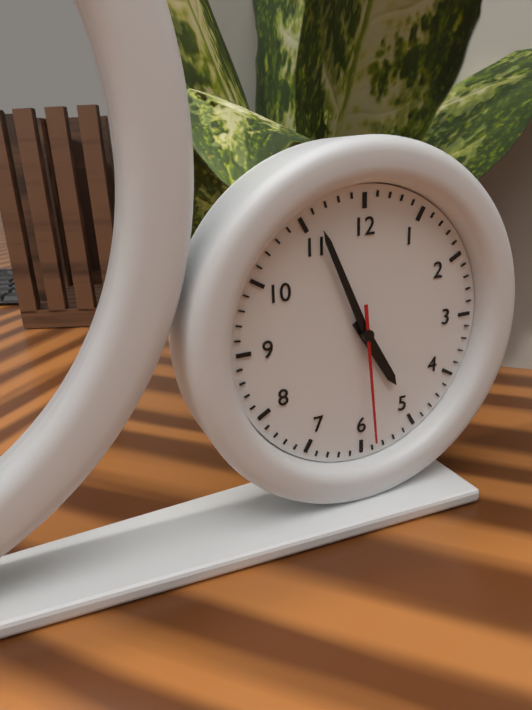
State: 4:56:29
